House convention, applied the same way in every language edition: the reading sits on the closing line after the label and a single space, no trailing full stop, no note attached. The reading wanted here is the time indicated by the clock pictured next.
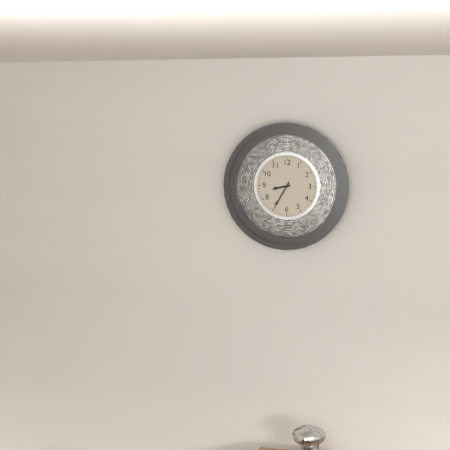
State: 8:35
